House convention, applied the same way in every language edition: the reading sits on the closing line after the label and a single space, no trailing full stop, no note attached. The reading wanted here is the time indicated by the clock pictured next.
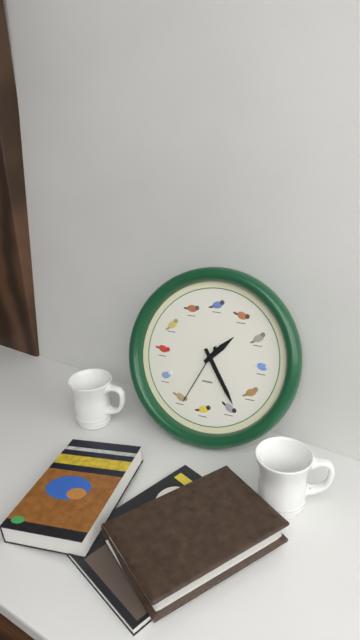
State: 1:24:34
